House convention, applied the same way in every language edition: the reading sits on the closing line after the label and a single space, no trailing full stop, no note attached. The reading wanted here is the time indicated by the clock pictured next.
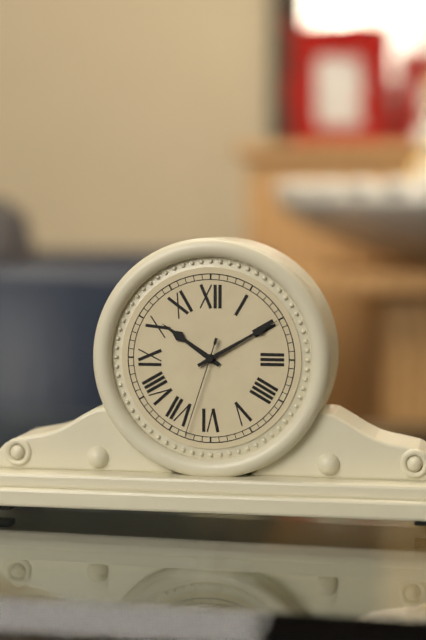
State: 10:10:33
